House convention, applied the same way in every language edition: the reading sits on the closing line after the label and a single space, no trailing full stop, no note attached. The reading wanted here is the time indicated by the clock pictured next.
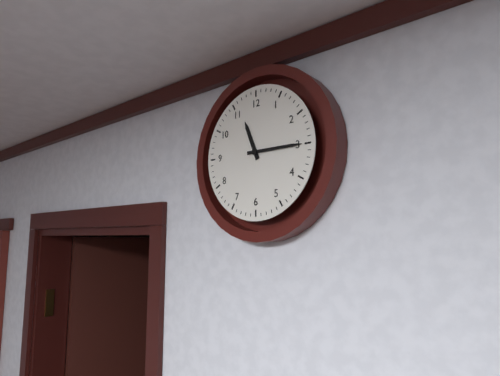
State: 11:15
